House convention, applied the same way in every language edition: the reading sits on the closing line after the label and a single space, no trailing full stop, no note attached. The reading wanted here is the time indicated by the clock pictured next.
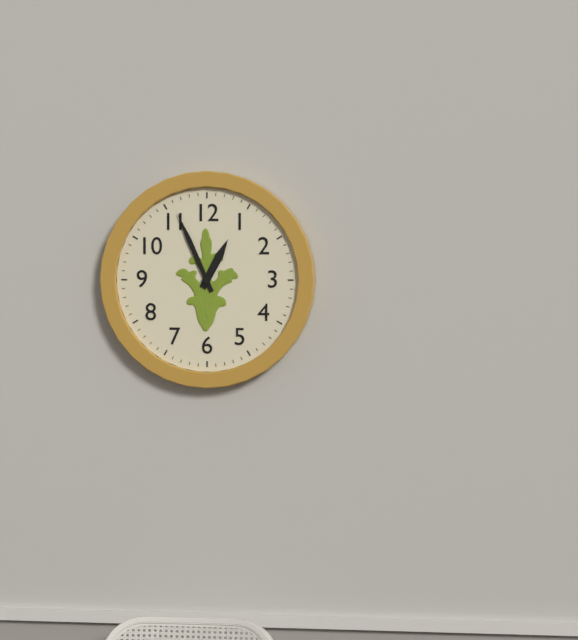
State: 12:56
